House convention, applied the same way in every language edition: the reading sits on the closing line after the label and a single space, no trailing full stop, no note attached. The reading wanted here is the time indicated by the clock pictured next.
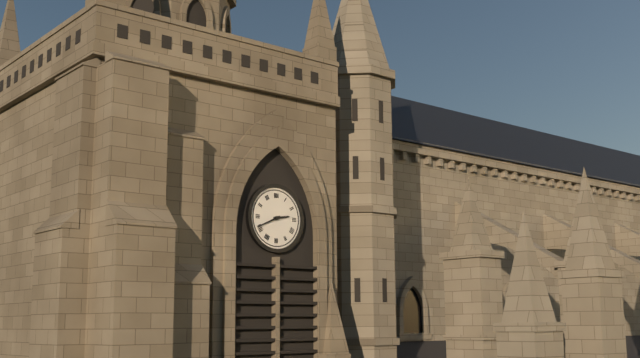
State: 2:41
